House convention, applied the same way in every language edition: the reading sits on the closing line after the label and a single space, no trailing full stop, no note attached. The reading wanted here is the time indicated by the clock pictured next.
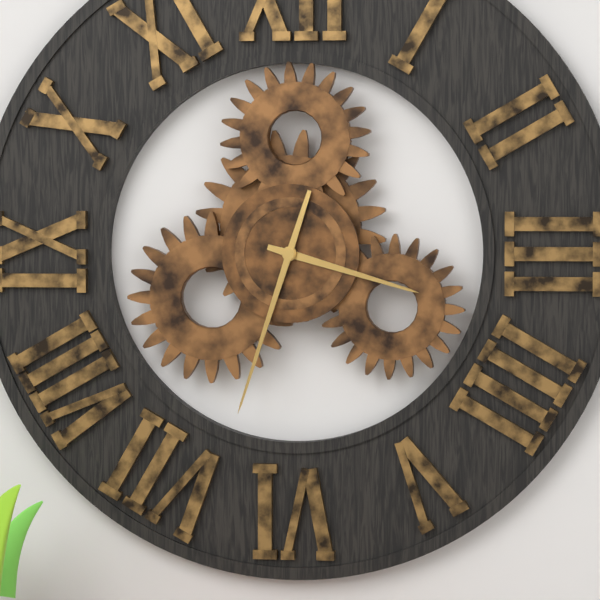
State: 3:33
